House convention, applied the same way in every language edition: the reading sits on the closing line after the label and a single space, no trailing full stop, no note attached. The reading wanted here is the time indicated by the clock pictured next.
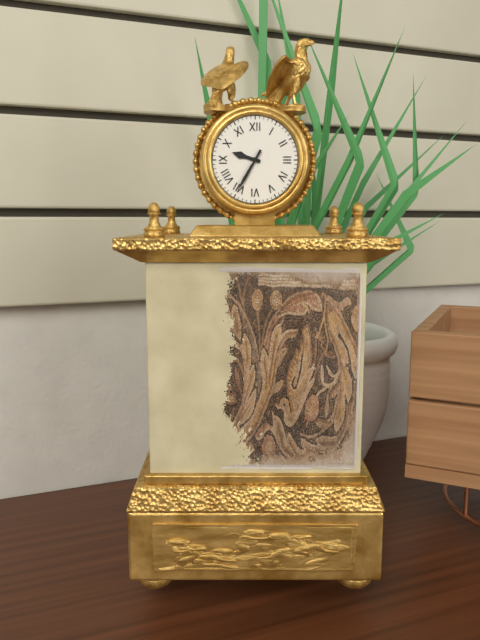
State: 9:35
